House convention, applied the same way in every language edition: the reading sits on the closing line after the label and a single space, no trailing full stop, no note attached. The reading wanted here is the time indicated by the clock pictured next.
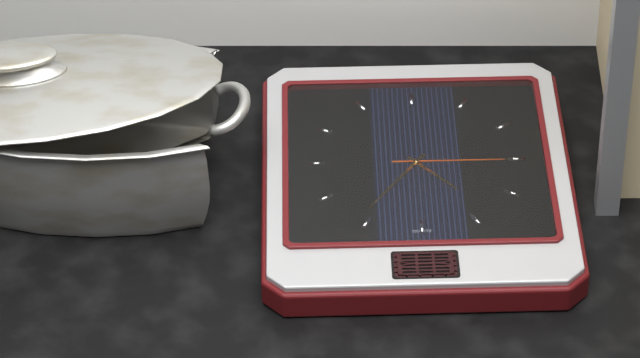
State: 4:36:15
